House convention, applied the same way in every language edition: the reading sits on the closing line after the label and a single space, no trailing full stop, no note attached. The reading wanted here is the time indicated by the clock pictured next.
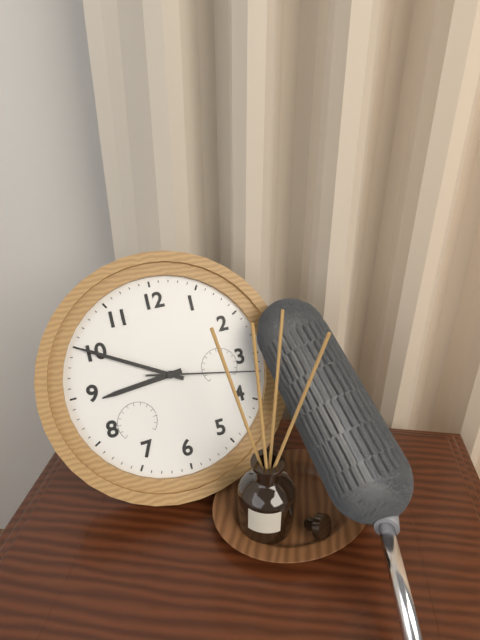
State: 8:50:17
